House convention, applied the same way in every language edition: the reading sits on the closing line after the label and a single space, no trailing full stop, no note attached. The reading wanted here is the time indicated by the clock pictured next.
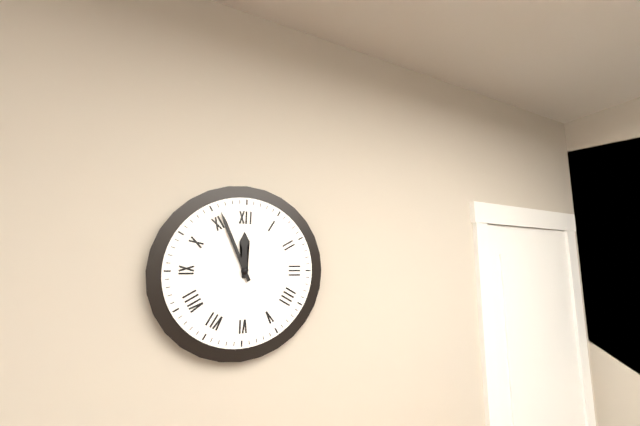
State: 11:56
